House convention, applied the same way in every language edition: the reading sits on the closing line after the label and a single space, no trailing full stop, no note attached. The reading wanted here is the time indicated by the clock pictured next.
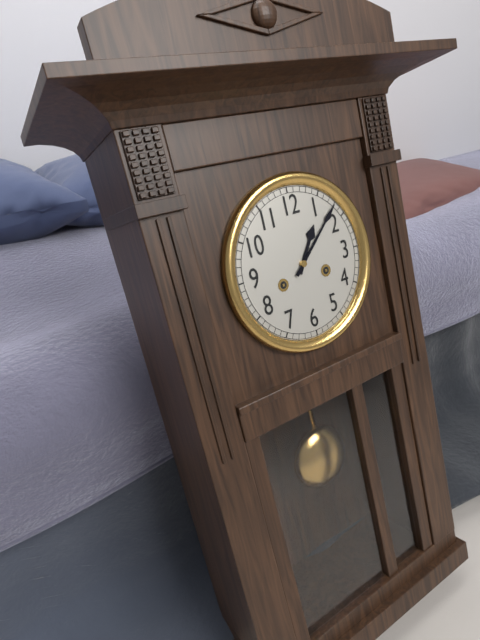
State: 1:08
